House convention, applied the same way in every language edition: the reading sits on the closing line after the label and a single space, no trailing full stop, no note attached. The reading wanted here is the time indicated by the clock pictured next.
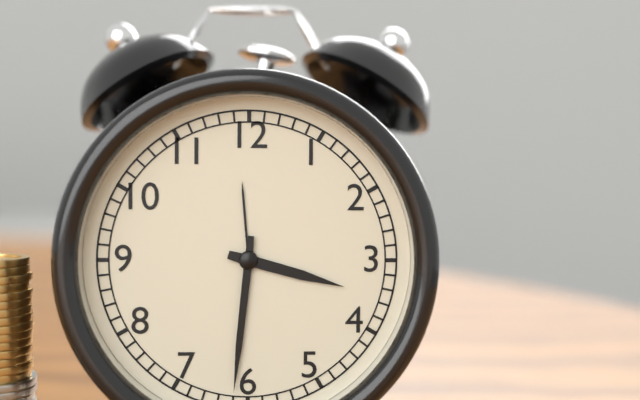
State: 3:31
